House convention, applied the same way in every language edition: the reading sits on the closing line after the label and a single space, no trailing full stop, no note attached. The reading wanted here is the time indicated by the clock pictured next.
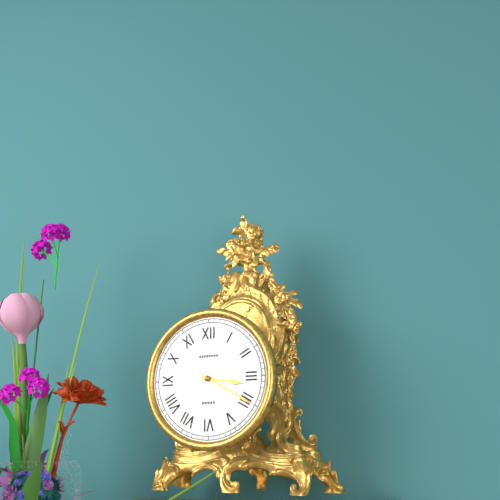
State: 3:20
